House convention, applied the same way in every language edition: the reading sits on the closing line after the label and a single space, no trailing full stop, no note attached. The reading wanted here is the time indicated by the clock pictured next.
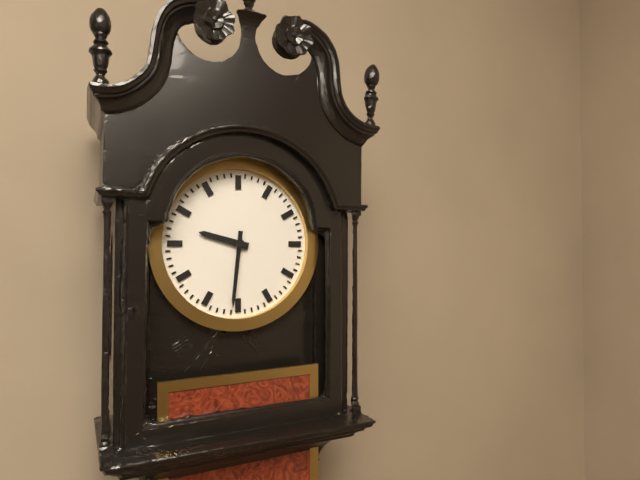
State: 9:31
